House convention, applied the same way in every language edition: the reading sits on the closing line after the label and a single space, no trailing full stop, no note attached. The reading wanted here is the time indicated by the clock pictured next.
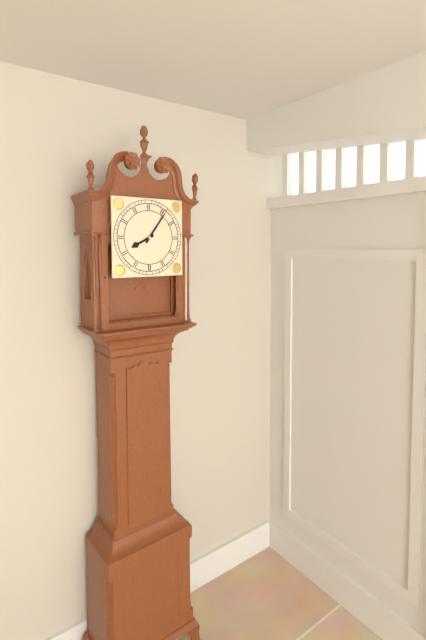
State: 8:06
